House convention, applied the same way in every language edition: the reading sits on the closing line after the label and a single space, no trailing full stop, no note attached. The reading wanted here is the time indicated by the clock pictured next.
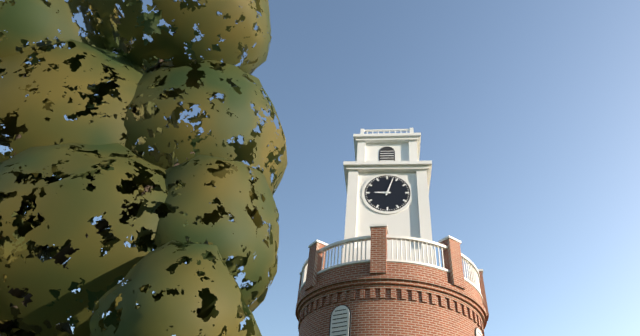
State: 9:03
